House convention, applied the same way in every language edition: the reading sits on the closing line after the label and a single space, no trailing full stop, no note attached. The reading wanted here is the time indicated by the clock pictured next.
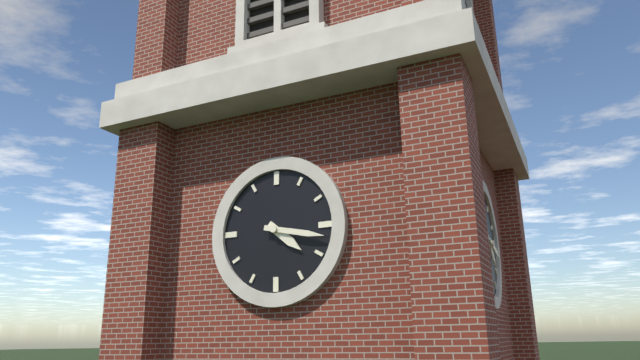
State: 4:17
